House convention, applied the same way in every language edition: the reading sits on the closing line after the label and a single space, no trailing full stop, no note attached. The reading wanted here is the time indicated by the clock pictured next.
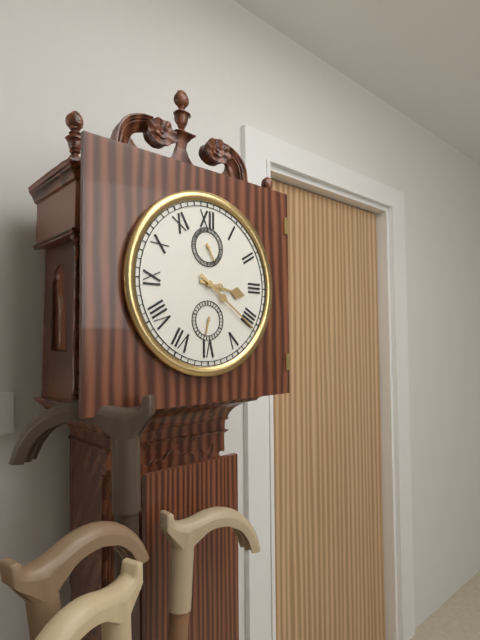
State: 3:21
